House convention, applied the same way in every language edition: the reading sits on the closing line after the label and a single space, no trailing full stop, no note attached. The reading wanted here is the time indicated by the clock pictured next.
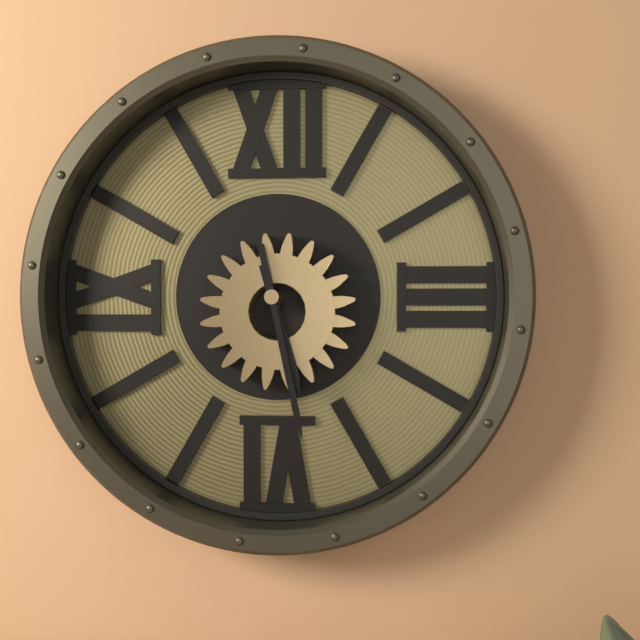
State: 5:28
